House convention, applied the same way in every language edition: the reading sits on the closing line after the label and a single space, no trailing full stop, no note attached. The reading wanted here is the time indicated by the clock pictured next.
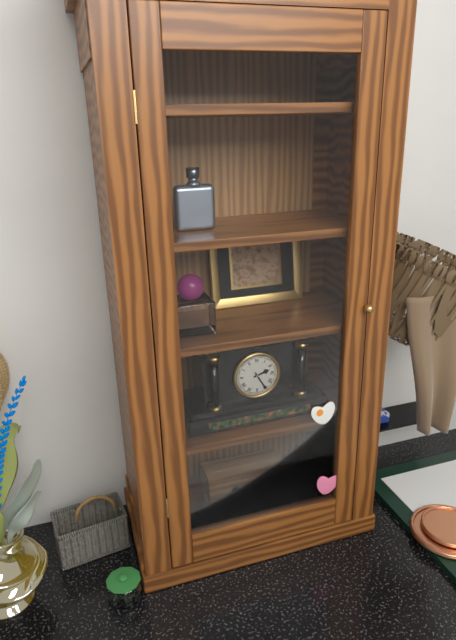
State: 2:25
